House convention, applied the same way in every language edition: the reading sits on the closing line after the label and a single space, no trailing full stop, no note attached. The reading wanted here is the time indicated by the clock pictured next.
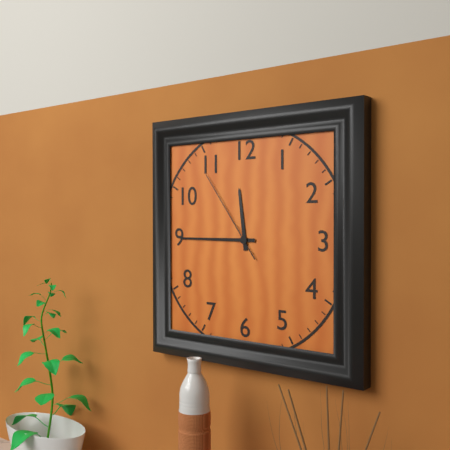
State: 11:45:54
